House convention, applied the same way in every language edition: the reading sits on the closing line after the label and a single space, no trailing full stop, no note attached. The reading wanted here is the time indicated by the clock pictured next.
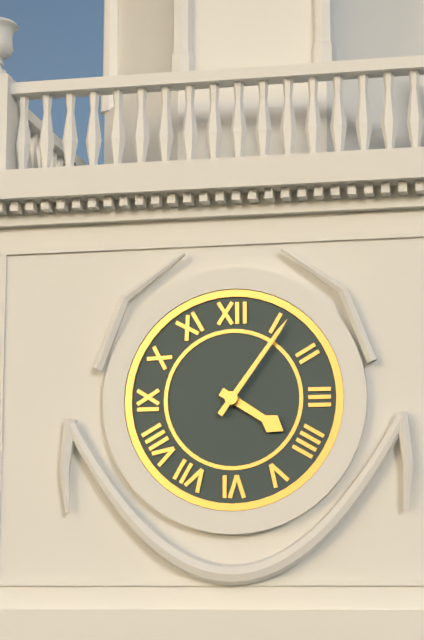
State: 4:06
